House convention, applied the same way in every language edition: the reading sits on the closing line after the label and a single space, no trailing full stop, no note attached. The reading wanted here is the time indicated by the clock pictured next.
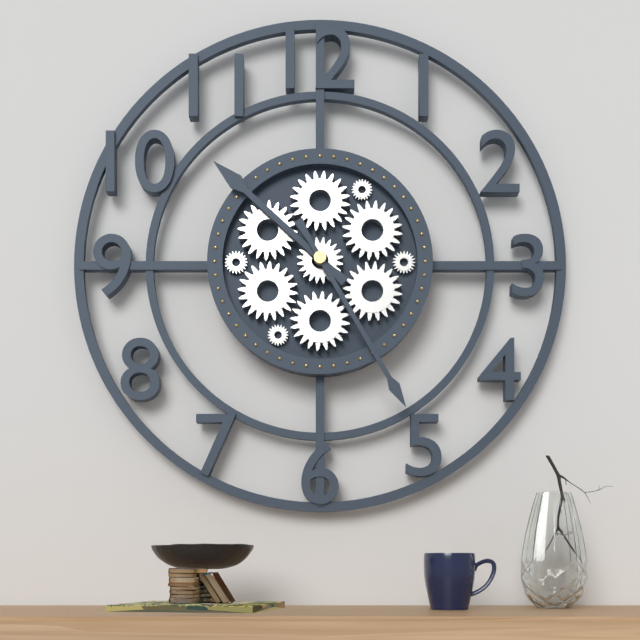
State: 10:25
